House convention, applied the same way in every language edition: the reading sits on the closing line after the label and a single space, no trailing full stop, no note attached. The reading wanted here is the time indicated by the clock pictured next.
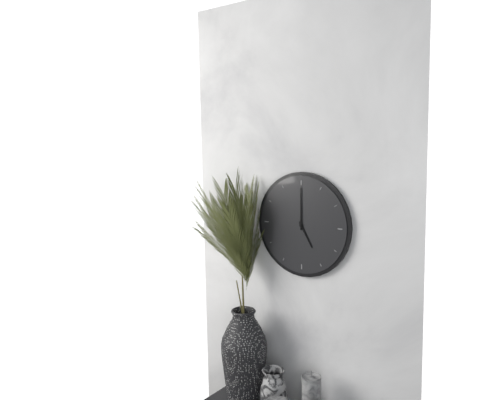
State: 5:00
